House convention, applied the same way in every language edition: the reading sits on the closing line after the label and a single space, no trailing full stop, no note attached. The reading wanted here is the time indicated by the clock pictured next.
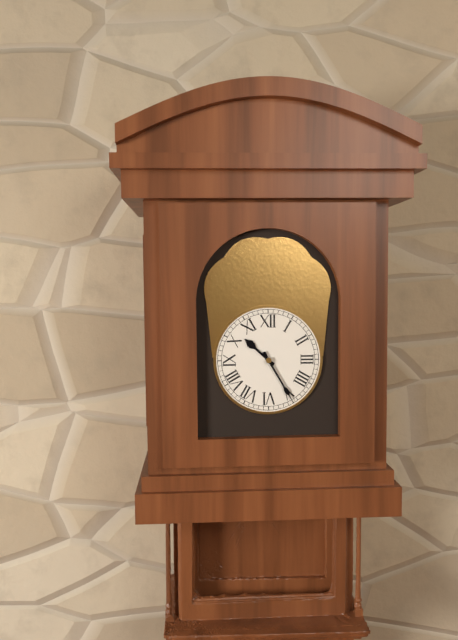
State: 10:25
